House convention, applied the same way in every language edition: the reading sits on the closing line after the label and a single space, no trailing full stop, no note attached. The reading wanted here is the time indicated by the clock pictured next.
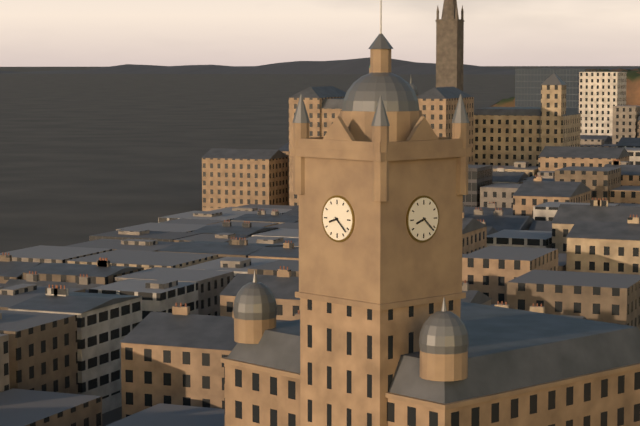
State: 8:22
